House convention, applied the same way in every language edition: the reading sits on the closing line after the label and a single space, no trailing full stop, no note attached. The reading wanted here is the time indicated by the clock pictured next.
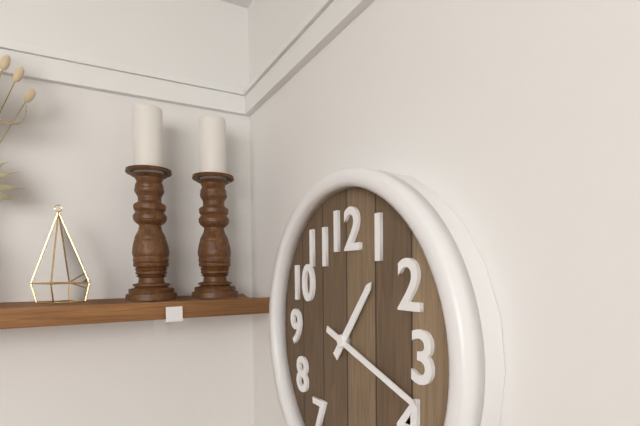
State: 1:18
